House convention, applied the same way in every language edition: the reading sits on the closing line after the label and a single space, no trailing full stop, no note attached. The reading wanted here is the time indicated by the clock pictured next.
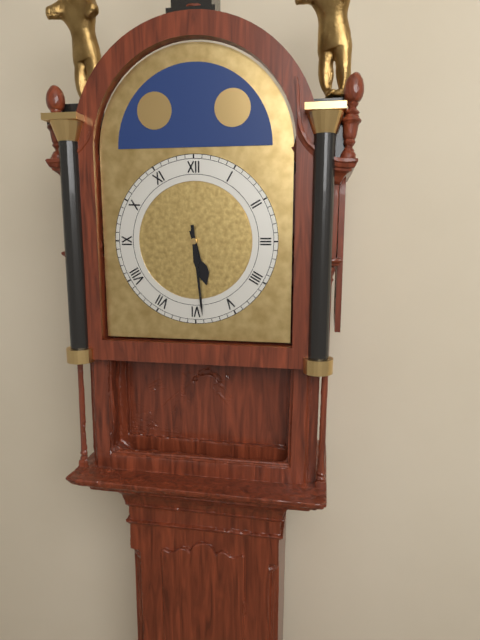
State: 5:29
